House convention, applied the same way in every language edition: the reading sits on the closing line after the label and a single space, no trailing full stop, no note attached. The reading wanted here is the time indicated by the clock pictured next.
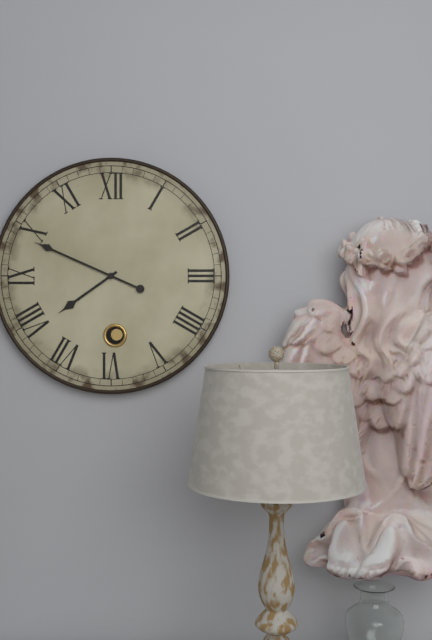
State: 7:49
